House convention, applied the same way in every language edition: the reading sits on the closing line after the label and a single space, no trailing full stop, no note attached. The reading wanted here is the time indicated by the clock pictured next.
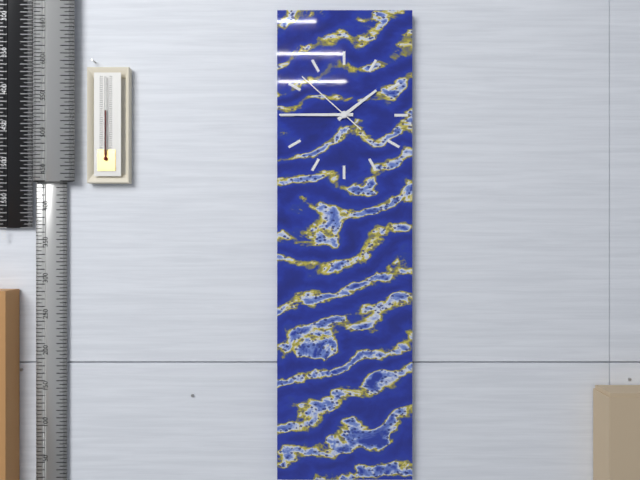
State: 1:45:52
